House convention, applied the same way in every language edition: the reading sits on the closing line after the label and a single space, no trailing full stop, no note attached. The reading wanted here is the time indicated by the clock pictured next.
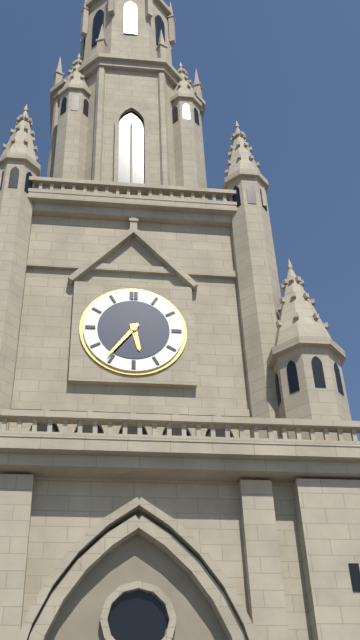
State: 5:36
